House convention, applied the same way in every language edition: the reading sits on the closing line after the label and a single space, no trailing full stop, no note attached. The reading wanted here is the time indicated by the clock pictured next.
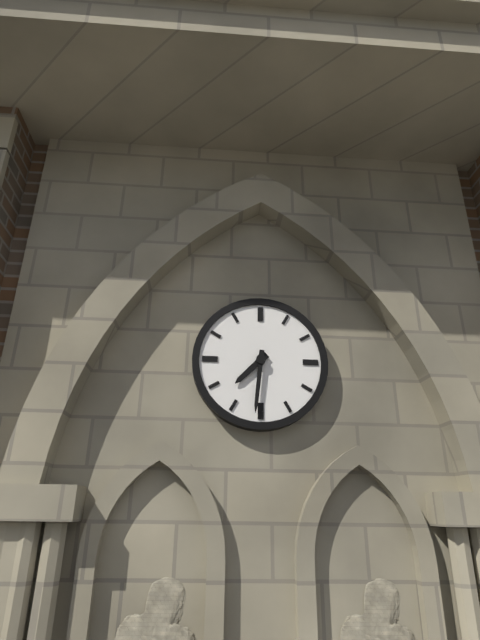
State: 7:31
